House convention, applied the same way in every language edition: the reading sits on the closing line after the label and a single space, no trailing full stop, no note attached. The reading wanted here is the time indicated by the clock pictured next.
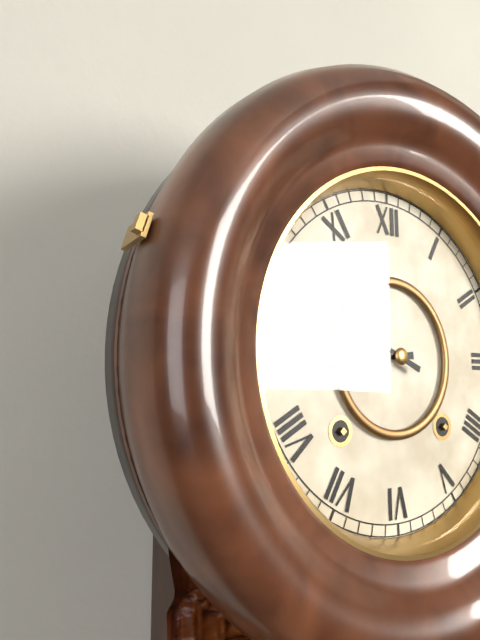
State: 8:49
